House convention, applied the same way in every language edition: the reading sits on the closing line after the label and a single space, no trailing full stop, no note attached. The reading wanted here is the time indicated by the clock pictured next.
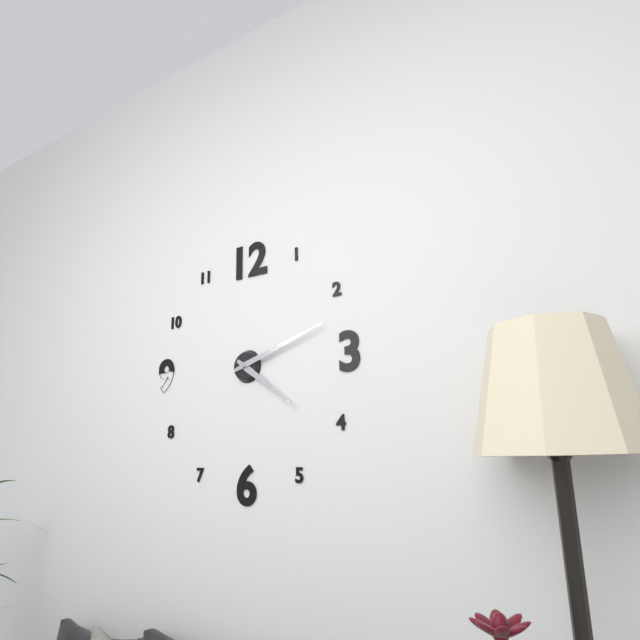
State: 4:12
